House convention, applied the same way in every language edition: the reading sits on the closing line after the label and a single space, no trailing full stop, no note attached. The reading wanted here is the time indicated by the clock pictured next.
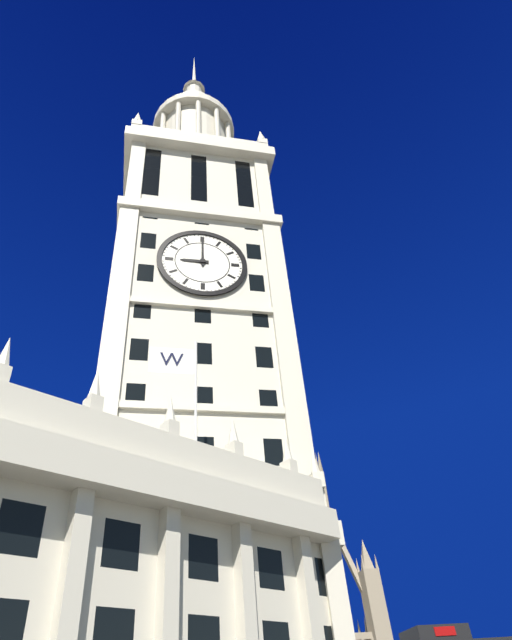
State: 9:00
